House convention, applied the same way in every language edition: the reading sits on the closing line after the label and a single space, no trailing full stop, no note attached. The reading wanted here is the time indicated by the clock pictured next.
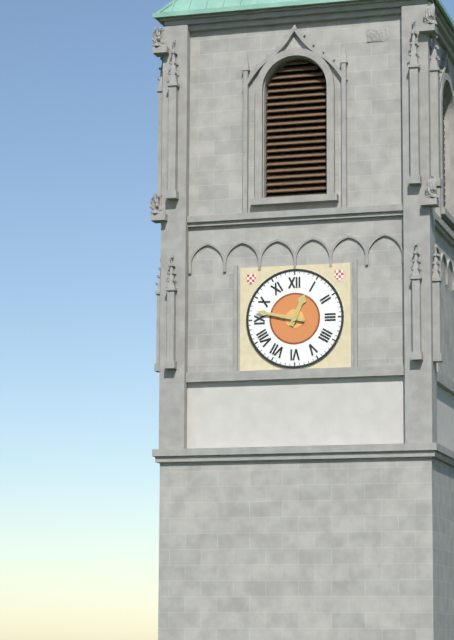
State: 12:47
